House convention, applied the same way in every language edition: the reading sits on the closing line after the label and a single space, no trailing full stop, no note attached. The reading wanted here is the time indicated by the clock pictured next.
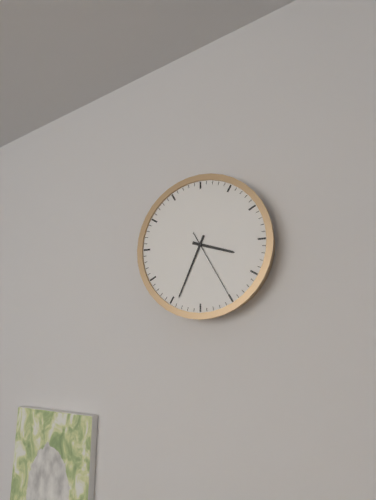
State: 3:34:25
